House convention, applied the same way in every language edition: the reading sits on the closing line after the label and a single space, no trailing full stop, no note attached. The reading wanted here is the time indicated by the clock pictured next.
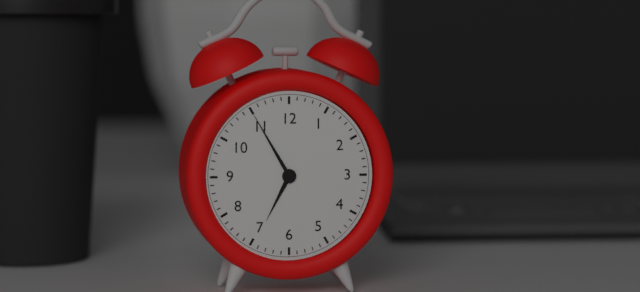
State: 6:55
